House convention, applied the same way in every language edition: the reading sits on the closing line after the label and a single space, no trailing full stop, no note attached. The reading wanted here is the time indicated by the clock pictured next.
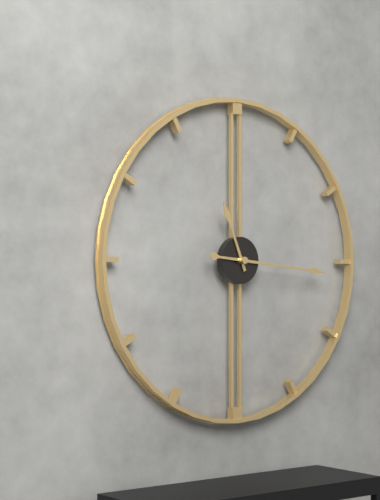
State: 11:16
